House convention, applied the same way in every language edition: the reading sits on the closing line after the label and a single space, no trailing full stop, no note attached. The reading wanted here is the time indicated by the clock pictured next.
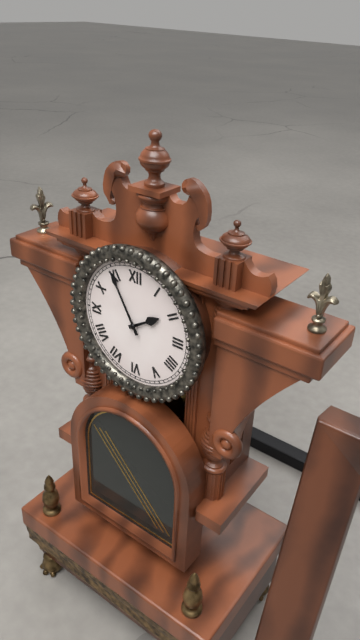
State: 1:55
